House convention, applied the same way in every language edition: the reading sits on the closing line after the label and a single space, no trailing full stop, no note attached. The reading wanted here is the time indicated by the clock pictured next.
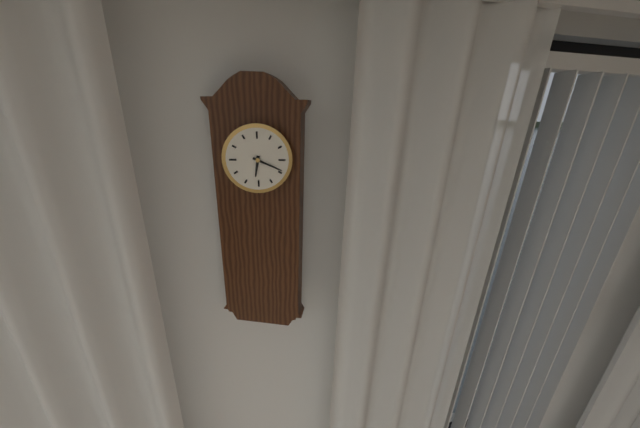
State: 6:19
